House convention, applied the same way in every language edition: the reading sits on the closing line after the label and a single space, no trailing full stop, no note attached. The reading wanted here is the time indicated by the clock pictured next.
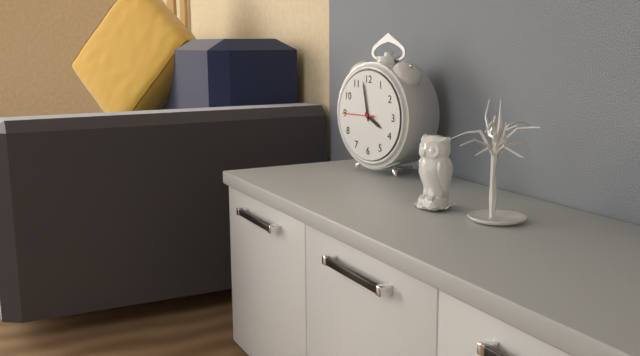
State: 3:58
